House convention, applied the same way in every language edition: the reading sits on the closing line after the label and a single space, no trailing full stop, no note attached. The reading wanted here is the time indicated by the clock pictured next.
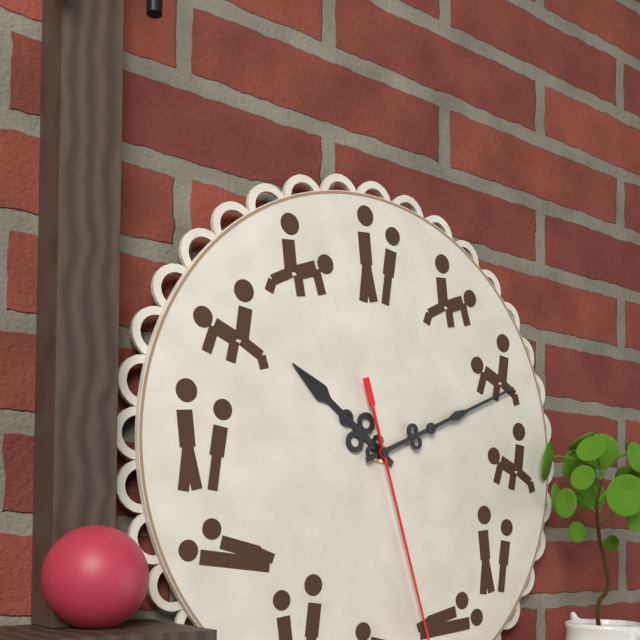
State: 10:11
